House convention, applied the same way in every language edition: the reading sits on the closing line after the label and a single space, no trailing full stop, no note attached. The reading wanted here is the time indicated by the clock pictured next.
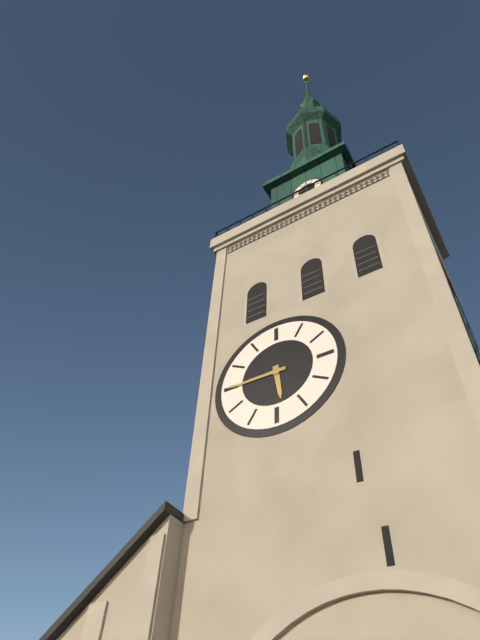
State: 5:45
